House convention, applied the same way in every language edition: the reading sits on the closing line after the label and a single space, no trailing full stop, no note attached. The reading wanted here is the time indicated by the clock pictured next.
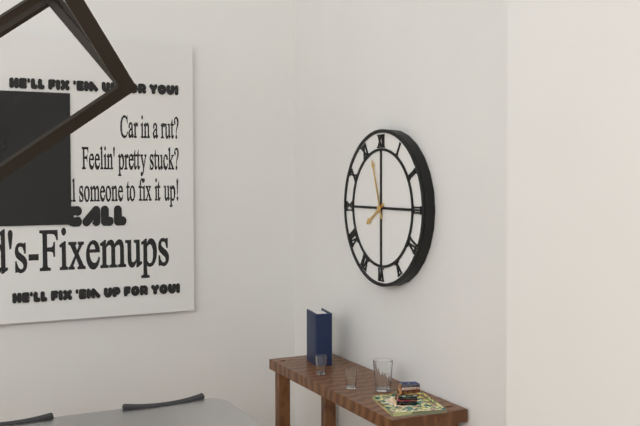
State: 7:57
